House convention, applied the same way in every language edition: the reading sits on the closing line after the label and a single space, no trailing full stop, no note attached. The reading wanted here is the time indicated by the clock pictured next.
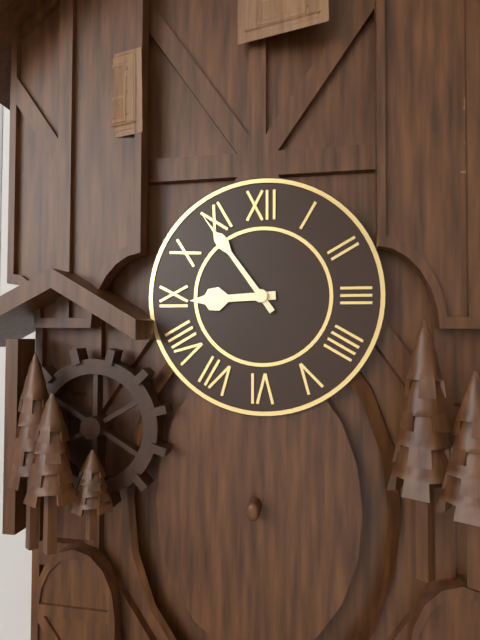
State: 8:54
